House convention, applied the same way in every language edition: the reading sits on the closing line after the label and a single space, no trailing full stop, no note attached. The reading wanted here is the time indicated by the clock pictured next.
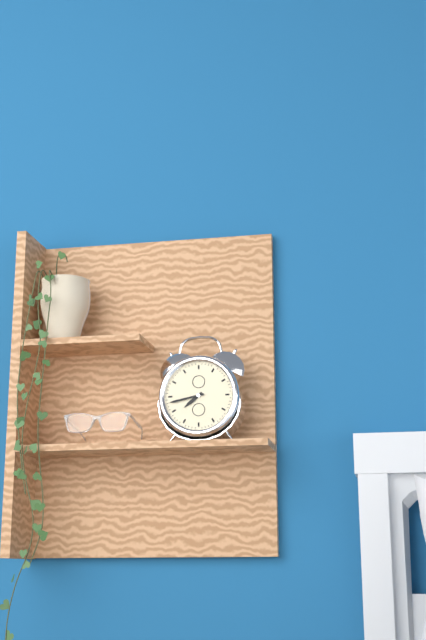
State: 7:43
